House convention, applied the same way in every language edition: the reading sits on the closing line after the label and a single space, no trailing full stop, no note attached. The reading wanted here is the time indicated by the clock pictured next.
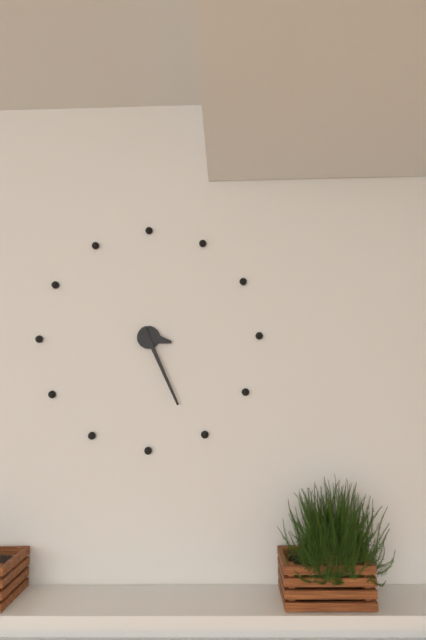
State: 3:26
